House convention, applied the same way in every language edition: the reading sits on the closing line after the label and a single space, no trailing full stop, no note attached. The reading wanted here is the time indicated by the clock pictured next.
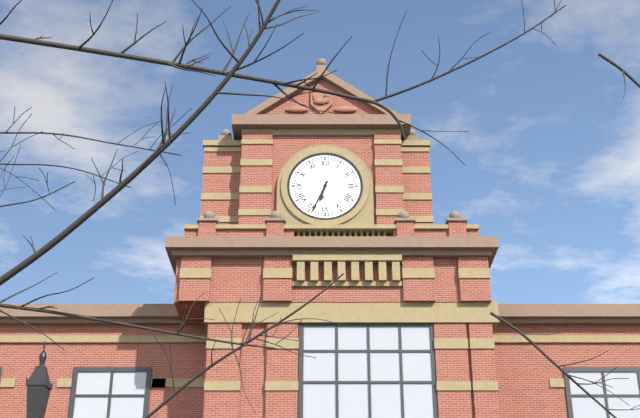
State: 6:34
